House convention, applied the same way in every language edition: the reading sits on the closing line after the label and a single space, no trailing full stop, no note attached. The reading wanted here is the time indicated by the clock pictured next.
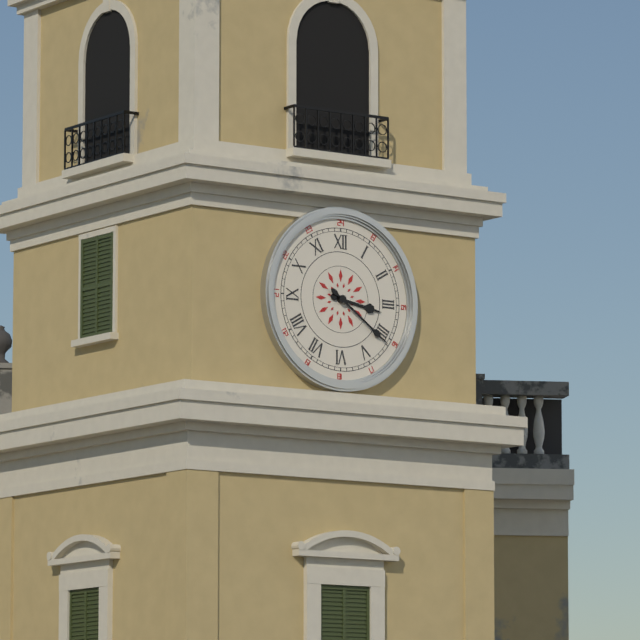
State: 3:21
